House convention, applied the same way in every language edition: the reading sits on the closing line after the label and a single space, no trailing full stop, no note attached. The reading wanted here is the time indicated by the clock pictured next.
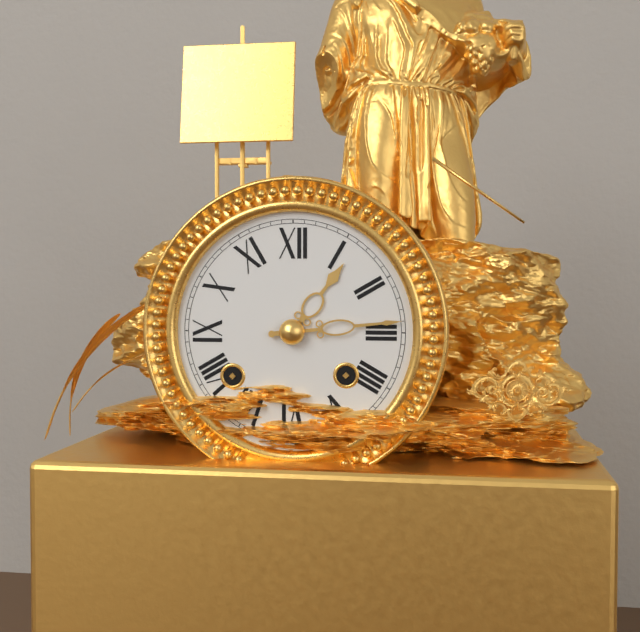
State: 1:14
